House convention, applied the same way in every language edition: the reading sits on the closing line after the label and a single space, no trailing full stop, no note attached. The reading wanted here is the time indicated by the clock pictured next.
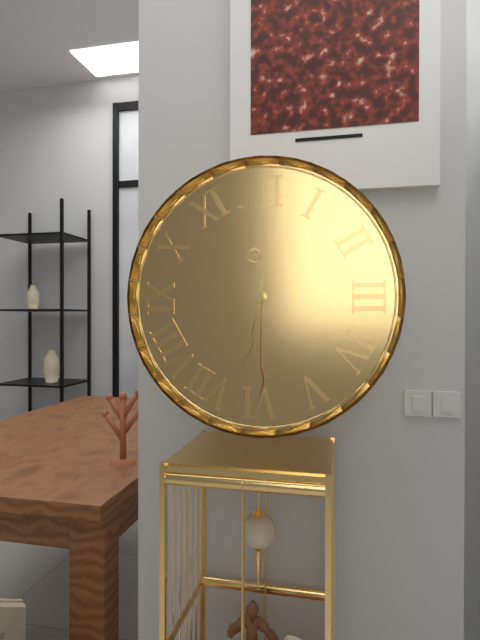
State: 6:30
